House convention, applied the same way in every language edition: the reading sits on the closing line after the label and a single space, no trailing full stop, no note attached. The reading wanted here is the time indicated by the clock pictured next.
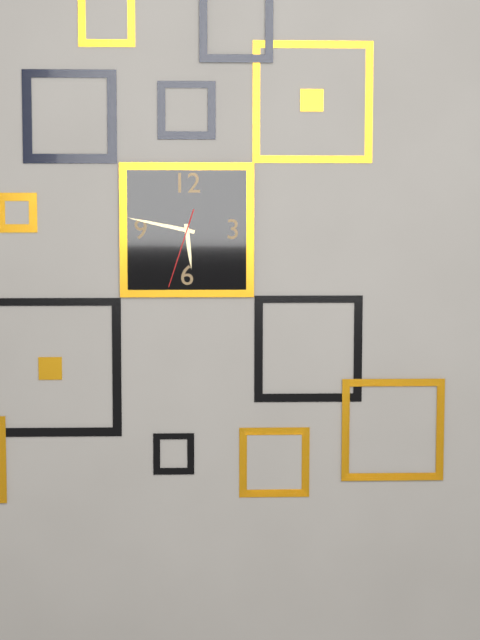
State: 5:47:33
